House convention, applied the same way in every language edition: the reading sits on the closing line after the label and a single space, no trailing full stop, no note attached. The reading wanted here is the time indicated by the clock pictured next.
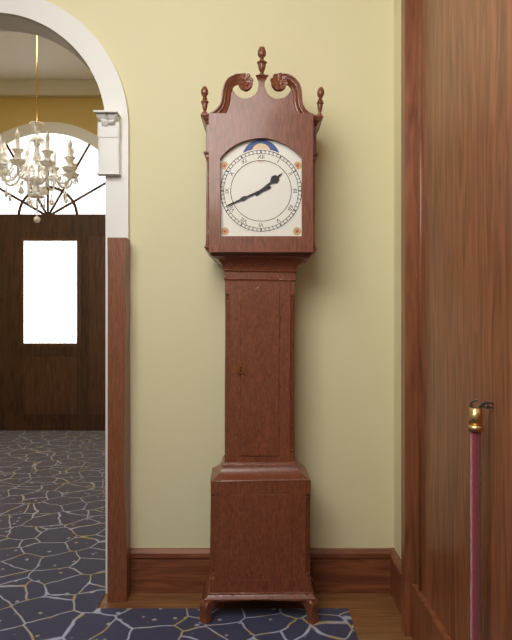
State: 1:41
